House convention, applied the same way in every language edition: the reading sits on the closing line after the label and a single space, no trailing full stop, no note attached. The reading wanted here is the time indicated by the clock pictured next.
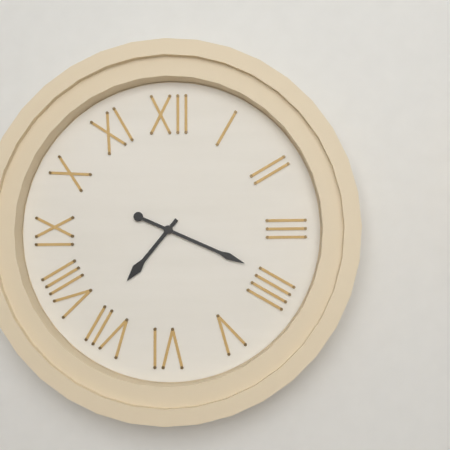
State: 7:19
